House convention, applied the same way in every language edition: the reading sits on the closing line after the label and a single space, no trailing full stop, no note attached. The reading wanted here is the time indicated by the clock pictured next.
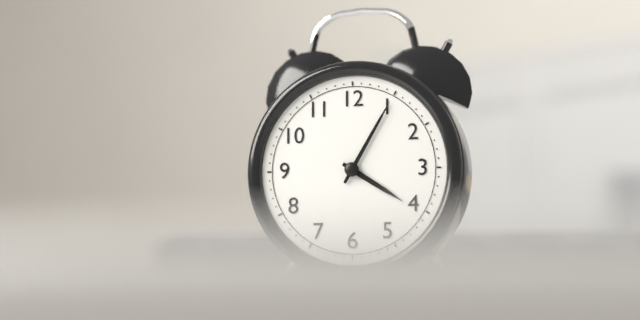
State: 4:05
